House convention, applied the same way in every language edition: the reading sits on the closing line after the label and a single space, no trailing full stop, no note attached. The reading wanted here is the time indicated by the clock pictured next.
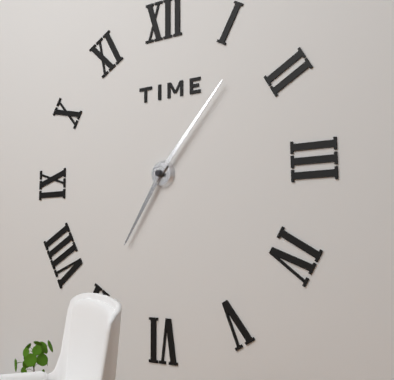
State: 7:07
